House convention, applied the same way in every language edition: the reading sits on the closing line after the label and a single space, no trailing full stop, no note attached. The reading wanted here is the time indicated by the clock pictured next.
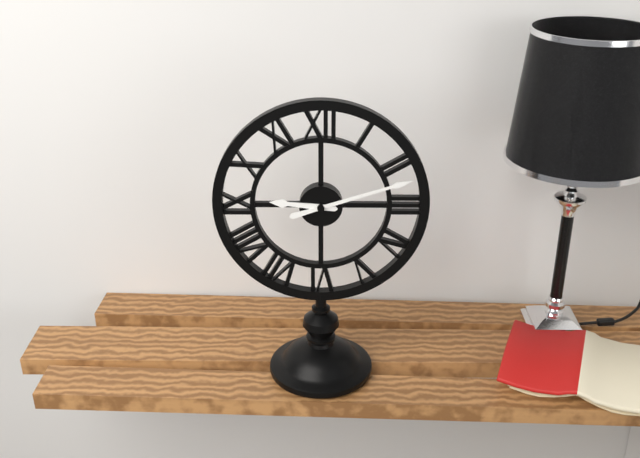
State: 9:12
